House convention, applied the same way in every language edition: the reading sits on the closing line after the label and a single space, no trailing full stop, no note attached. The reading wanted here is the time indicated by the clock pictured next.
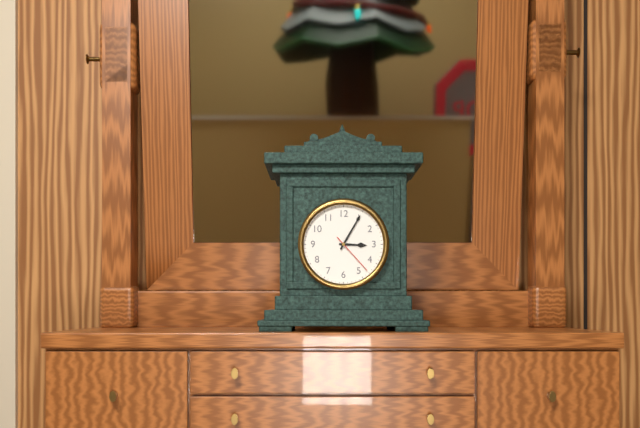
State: 3:05
